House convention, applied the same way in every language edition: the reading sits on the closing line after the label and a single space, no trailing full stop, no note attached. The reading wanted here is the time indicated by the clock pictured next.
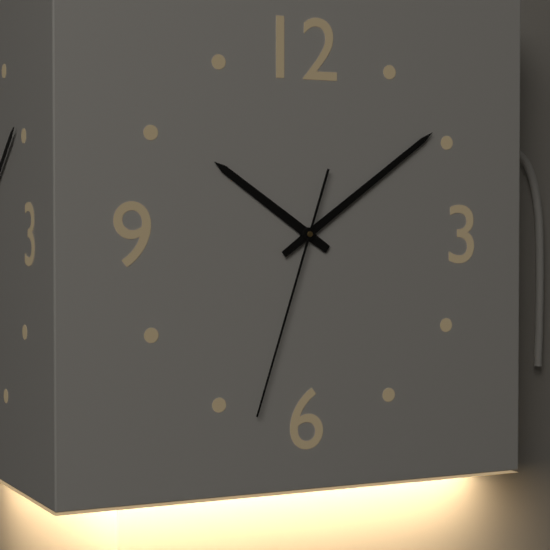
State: 10:09:33
